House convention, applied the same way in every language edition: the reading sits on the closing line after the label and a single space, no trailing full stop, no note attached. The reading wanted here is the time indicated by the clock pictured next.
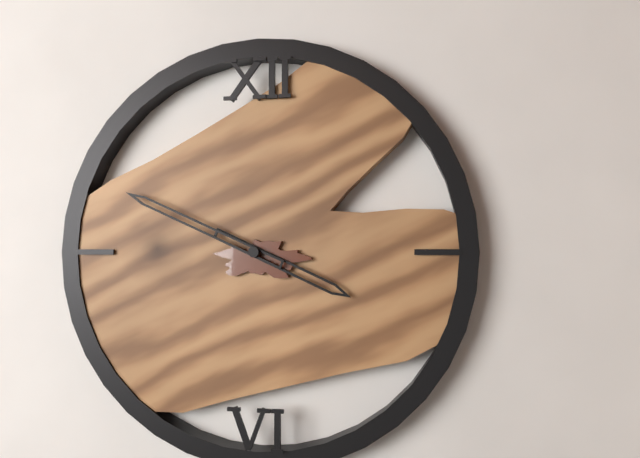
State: 3:49
